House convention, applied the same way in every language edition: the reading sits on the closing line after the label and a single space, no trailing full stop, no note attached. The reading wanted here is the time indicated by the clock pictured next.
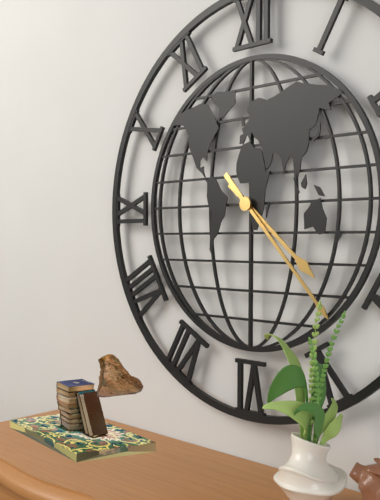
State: 4:23
